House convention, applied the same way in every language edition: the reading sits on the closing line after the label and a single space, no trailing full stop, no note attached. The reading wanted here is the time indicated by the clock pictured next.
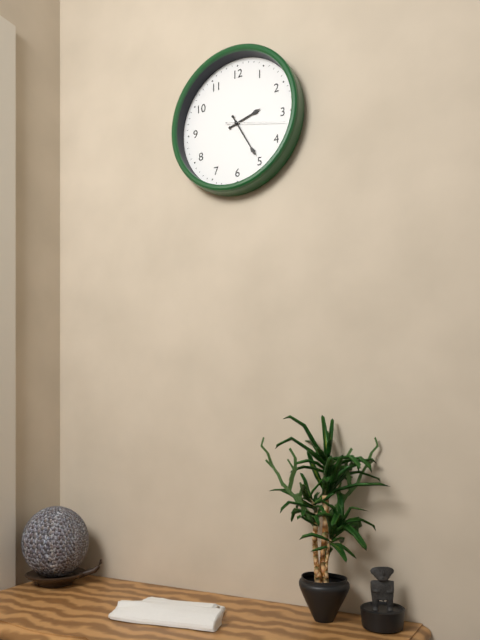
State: 2:25:17
